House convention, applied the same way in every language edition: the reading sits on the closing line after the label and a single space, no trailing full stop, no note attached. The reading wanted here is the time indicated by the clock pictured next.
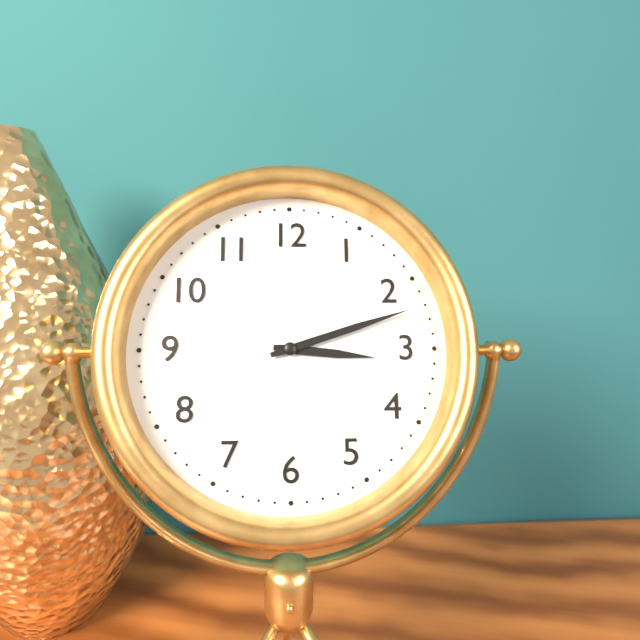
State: 3:12
